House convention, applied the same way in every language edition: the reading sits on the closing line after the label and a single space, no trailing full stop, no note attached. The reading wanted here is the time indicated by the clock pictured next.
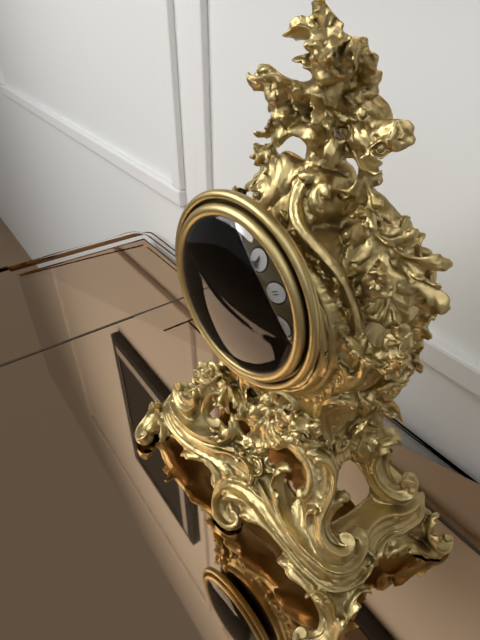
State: 9:05:34
